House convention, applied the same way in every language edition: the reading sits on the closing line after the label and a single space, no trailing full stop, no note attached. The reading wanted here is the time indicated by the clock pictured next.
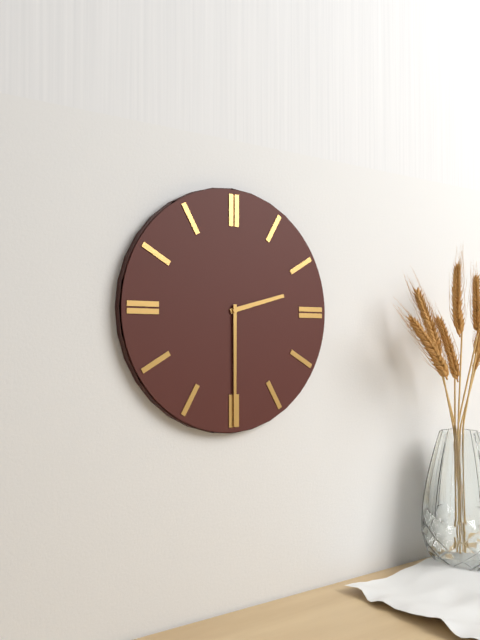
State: 2:30
